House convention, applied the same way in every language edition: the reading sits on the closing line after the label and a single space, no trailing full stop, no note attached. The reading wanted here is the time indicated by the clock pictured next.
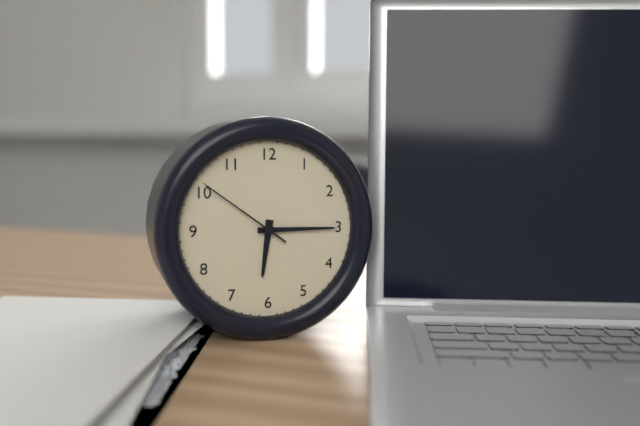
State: 6:15:51
